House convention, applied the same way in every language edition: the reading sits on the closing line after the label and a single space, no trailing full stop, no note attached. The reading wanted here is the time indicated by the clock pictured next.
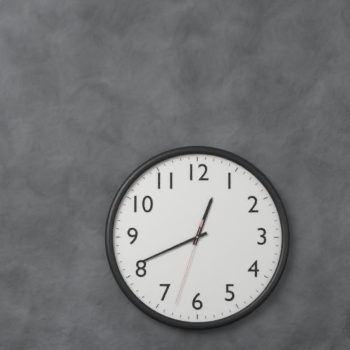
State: 12:41:33
